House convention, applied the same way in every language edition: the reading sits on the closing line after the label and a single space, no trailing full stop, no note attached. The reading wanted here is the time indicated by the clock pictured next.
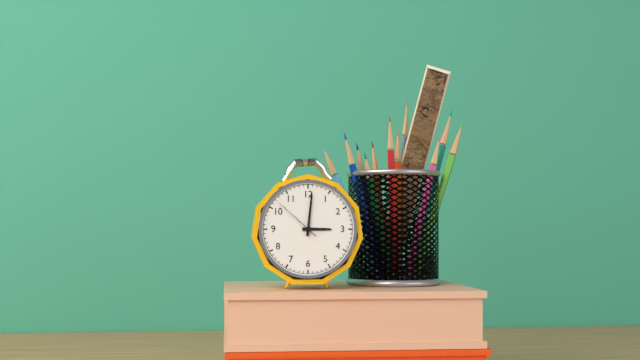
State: 3:01:52
